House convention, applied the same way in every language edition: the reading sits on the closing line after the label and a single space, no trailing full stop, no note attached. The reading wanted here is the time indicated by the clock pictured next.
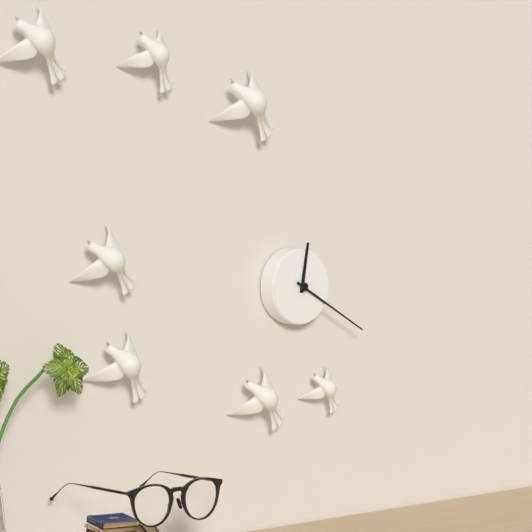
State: 12:20
